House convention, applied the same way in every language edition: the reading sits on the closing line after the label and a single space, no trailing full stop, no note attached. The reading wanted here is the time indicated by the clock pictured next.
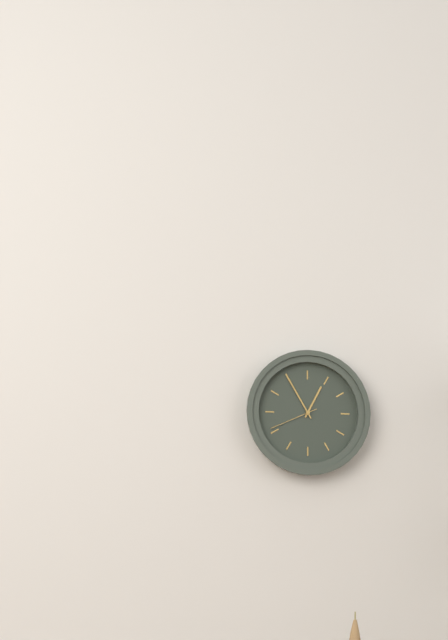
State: 12:55
